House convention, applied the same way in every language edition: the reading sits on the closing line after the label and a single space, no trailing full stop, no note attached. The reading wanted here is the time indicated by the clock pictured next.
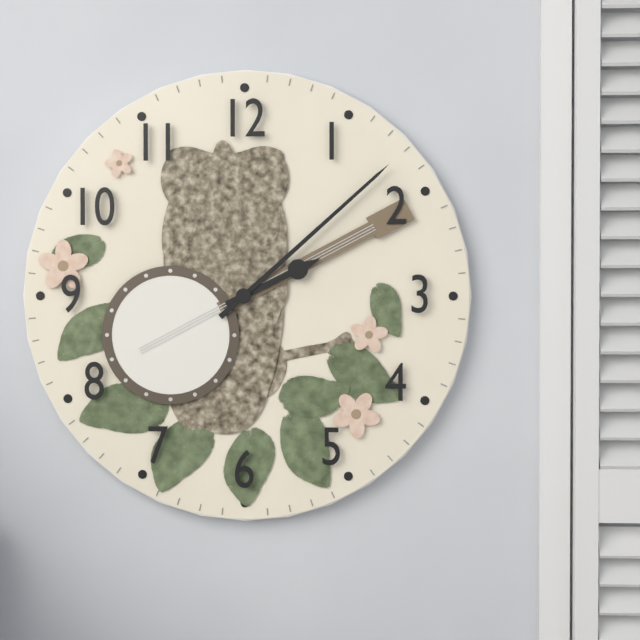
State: 2:08
